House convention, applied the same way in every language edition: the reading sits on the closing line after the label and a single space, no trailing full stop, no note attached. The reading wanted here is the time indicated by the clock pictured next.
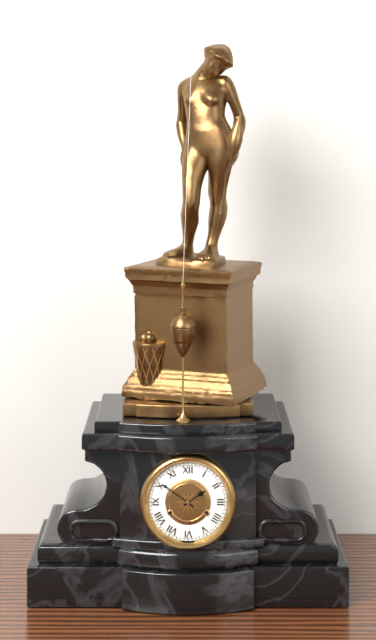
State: 1:51
